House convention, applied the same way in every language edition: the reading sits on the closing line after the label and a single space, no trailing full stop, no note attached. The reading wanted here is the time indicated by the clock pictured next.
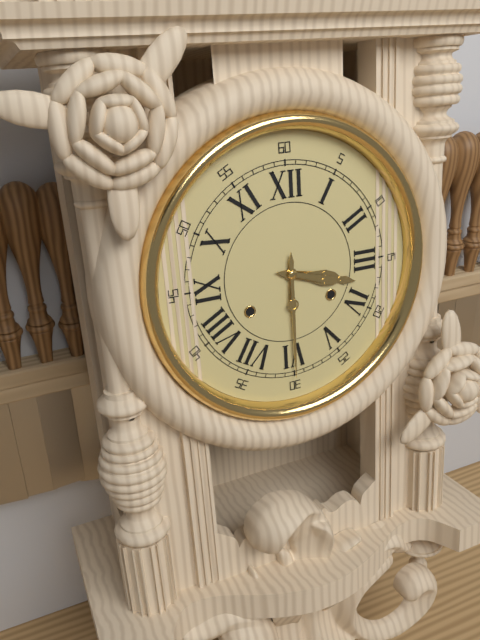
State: 3:30
